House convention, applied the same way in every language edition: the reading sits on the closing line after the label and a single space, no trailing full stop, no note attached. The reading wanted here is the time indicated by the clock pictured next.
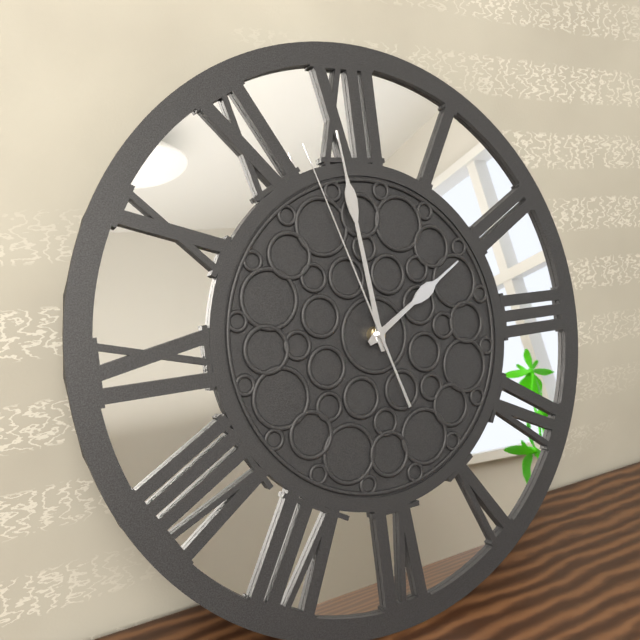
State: 1:59:57
